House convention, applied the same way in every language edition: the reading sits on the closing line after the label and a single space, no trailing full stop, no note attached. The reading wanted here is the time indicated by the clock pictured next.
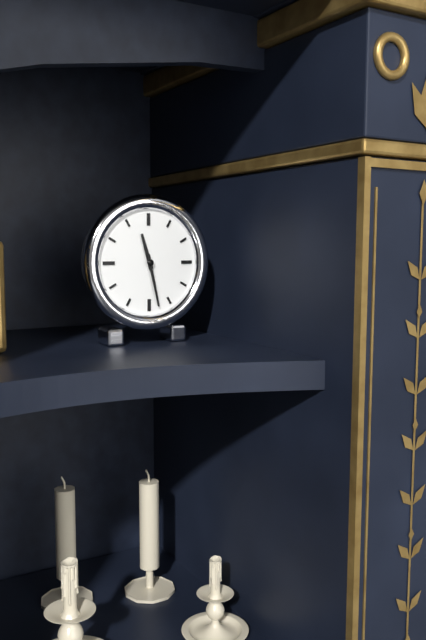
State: 11:28
